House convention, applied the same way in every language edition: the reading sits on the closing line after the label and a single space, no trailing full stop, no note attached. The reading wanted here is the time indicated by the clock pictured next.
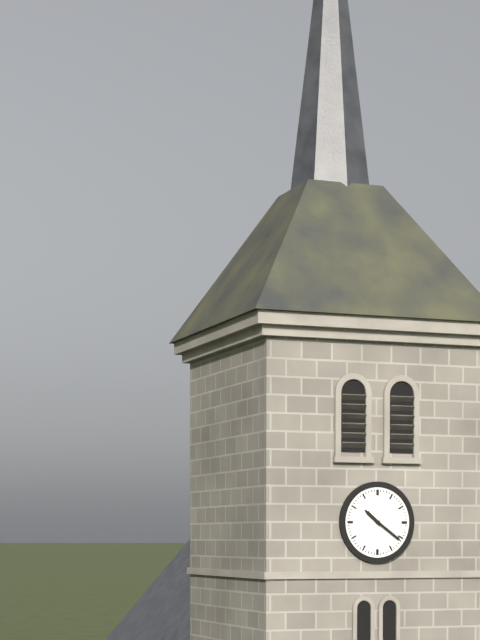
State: 10:21
